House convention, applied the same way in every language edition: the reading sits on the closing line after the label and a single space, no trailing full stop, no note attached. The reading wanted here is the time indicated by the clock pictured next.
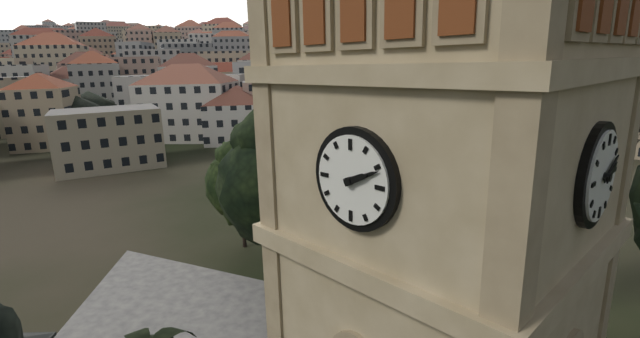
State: 2:11
